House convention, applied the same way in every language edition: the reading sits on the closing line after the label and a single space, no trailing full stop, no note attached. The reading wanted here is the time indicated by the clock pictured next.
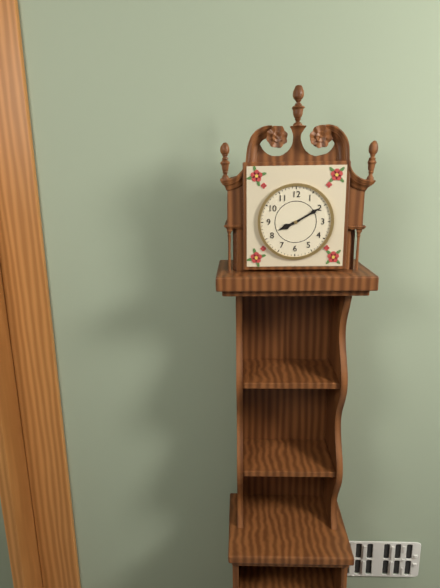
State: 8:10
